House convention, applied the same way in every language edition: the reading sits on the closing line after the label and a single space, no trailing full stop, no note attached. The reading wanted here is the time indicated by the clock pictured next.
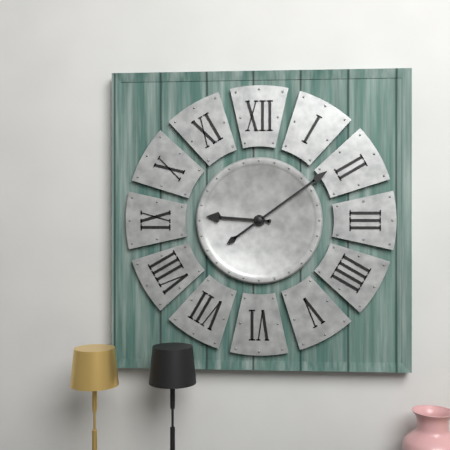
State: 9:09
